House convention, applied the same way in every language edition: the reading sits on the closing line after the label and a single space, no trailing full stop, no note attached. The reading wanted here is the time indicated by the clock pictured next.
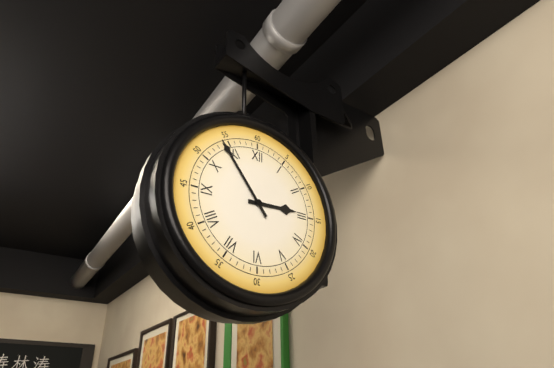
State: 2:54
